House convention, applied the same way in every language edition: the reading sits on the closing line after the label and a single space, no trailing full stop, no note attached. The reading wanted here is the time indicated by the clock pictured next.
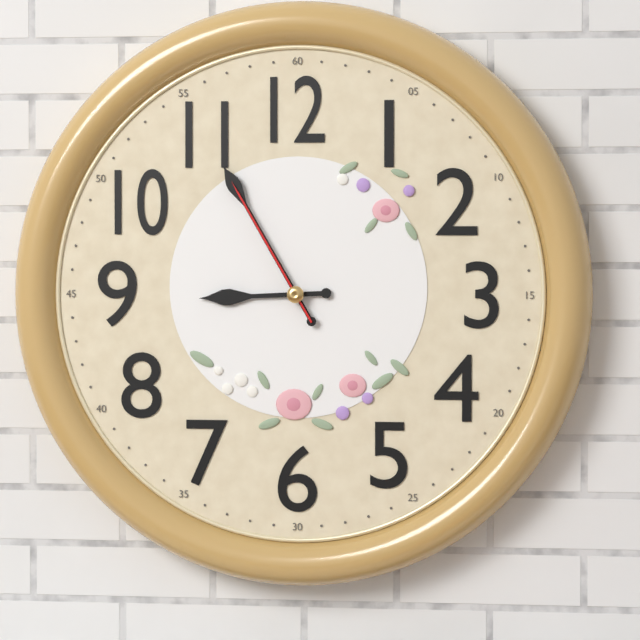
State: 8:55:55
